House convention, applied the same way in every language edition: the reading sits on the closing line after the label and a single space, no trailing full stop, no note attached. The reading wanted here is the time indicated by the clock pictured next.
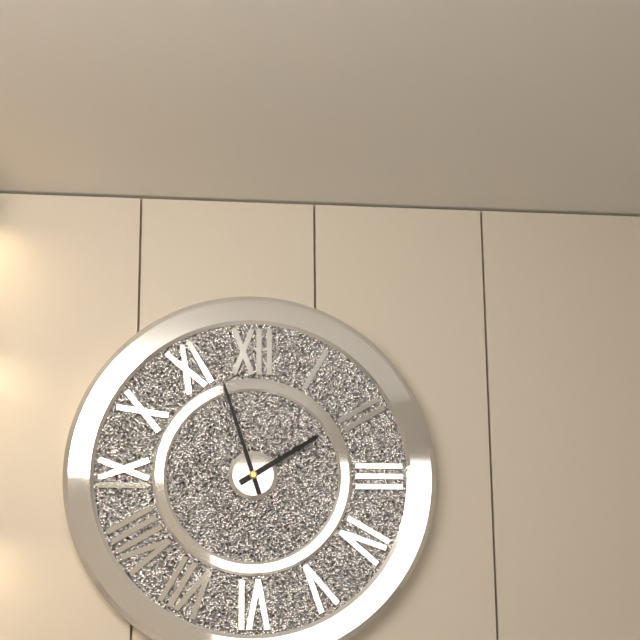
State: 1:57
